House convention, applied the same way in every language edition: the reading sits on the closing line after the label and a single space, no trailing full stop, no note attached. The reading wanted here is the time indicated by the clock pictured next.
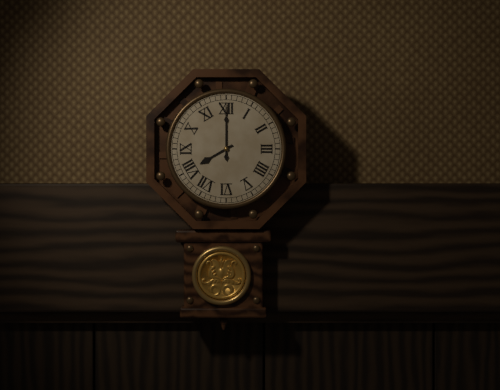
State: 8:00
